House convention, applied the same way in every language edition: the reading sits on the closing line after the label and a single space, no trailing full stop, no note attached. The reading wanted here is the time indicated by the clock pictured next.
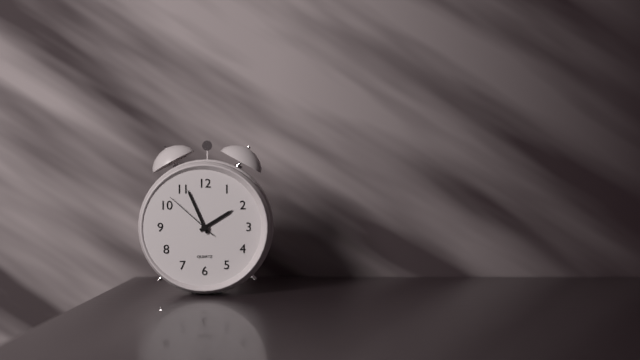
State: 1:56:52
